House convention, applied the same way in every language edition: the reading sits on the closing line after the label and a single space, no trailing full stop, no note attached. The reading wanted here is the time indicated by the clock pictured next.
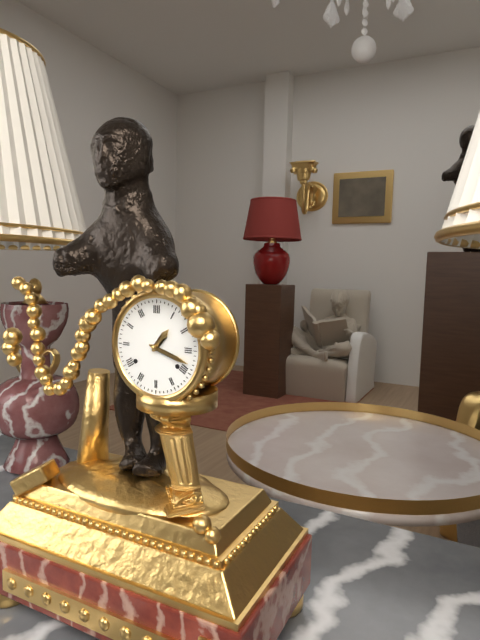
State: 1:18
